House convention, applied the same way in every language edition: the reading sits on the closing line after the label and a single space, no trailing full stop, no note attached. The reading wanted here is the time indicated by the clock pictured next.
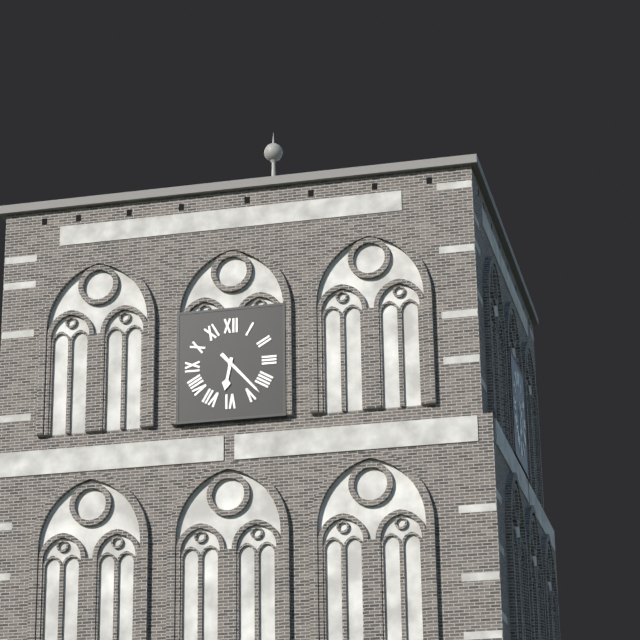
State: 6:23
